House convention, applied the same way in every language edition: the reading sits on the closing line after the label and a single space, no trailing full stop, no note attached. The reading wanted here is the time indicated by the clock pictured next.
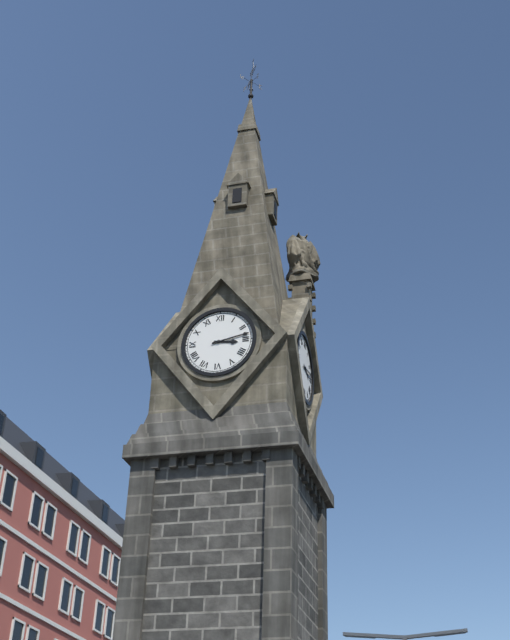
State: 3:13
